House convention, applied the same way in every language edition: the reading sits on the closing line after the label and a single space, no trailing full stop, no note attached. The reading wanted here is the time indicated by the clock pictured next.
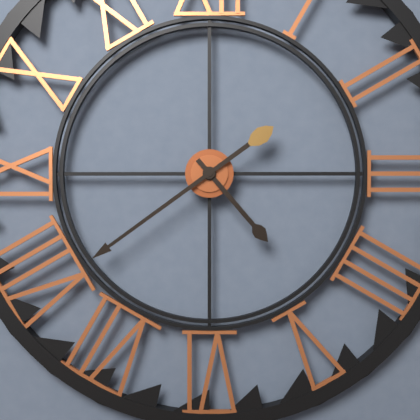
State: 4:39
